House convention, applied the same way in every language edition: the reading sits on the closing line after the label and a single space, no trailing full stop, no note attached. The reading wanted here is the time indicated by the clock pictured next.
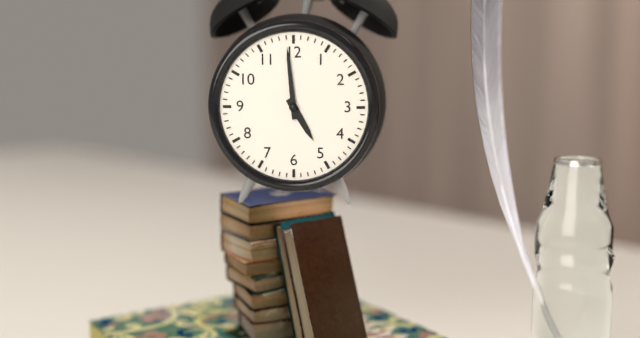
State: 4:59
